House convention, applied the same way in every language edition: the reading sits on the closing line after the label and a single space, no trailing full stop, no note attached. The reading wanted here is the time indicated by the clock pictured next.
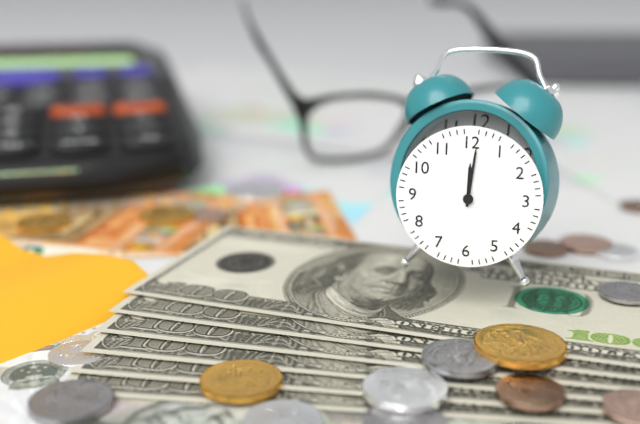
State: 12:01
